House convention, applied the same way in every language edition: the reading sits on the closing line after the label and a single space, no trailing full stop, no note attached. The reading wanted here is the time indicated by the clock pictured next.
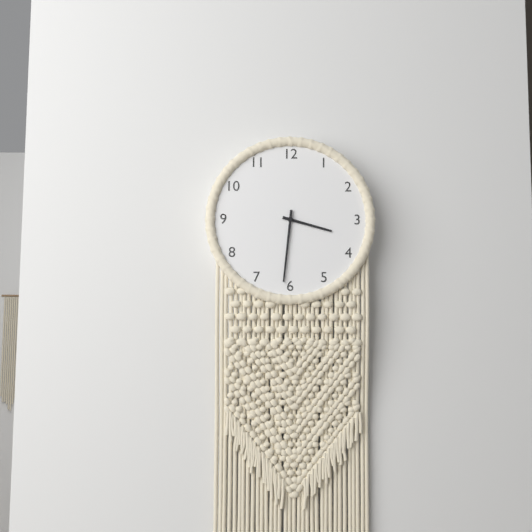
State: 3:31
